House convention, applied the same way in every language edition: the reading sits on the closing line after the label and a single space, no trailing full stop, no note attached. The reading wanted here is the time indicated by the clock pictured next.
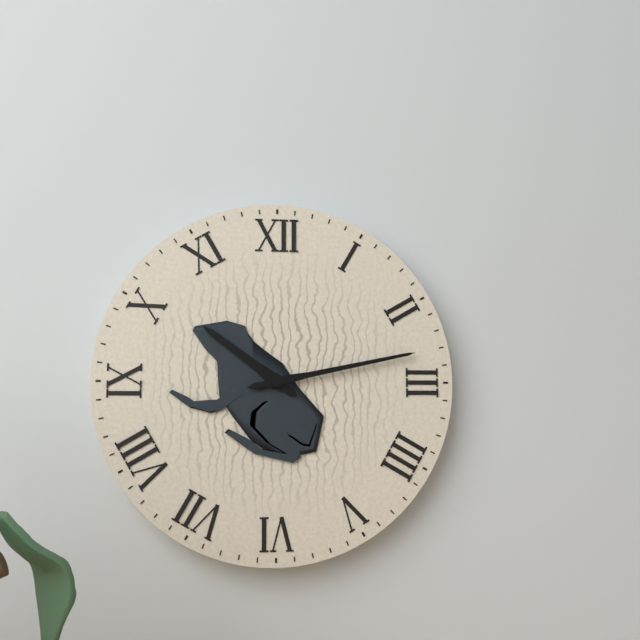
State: 10:13
